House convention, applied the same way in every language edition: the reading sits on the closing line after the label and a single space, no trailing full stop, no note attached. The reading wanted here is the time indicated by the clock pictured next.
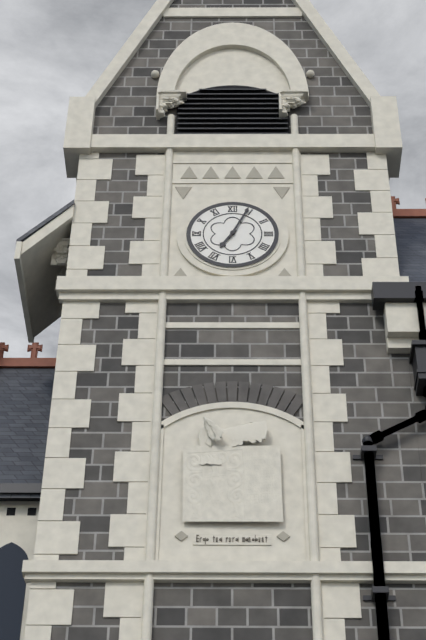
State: 7:04
